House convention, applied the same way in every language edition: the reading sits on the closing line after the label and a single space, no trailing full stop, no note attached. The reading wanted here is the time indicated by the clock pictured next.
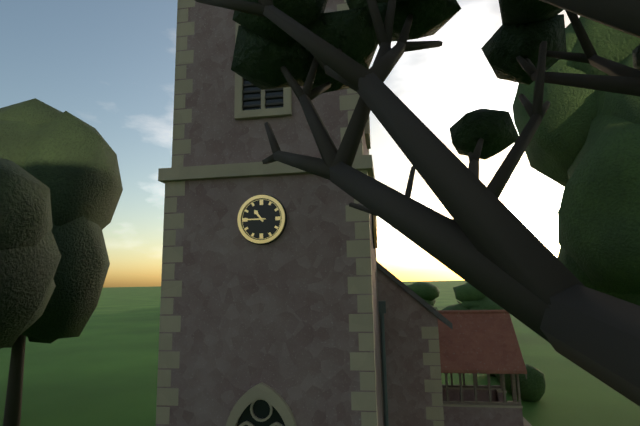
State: 10:45
